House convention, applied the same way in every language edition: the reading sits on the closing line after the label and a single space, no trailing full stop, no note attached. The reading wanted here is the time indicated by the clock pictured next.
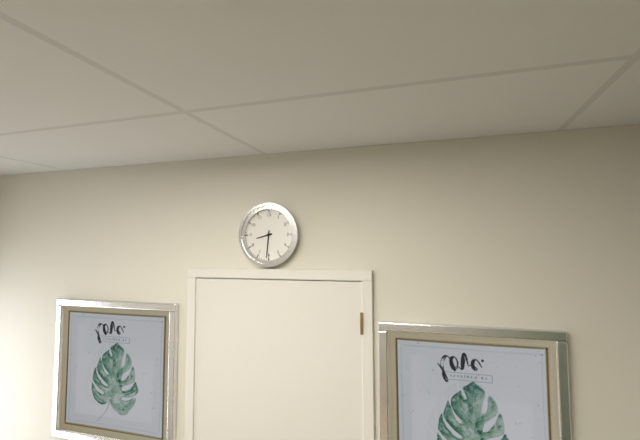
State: 8:31
